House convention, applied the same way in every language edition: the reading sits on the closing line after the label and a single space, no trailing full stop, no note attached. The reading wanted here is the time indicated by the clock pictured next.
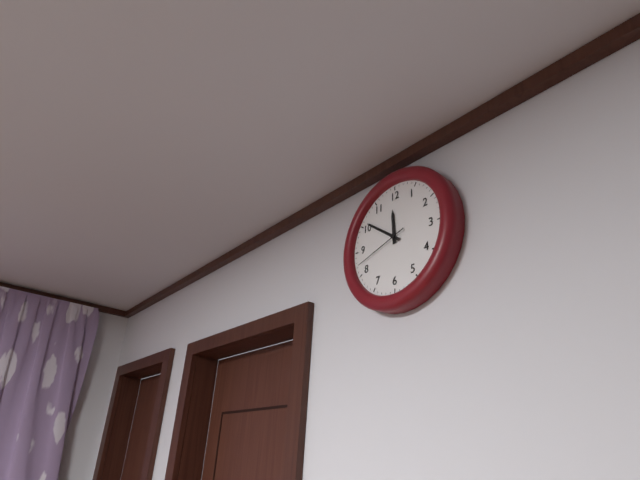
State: 11:51:42
